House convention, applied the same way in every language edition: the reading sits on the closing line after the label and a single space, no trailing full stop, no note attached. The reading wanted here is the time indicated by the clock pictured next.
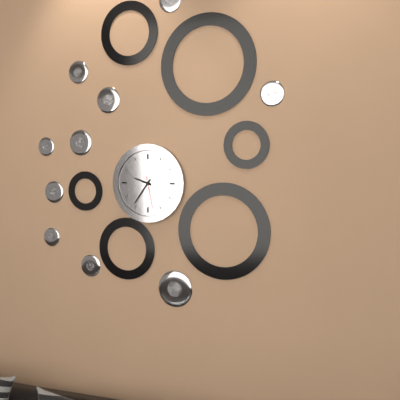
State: 9:36
